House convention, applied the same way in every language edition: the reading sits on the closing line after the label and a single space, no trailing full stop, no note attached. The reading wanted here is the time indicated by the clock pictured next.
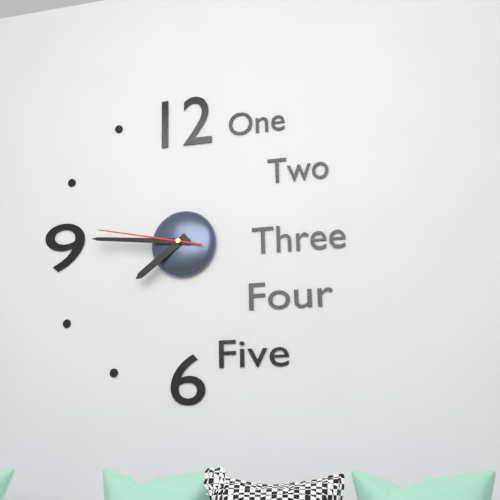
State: 7:46:47
